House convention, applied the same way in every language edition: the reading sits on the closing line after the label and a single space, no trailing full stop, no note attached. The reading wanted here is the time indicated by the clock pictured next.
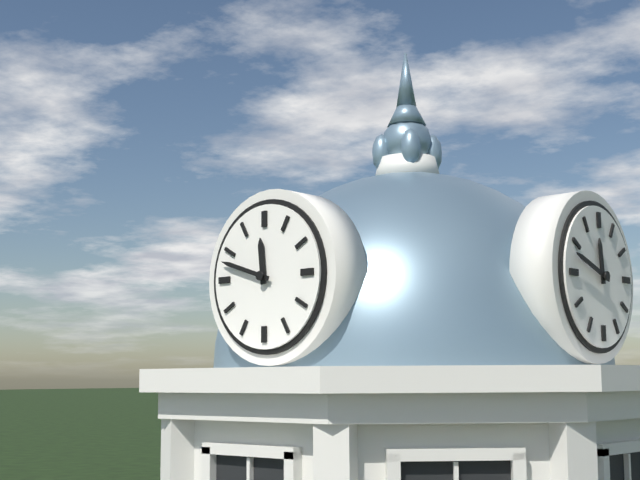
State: 11:48
